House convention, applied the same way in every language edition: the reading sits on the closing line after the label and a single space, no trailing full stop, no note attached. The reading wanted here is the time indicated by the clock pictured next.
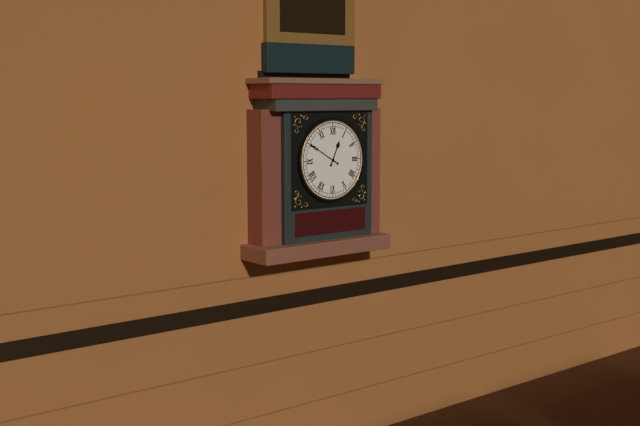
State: 12:50
